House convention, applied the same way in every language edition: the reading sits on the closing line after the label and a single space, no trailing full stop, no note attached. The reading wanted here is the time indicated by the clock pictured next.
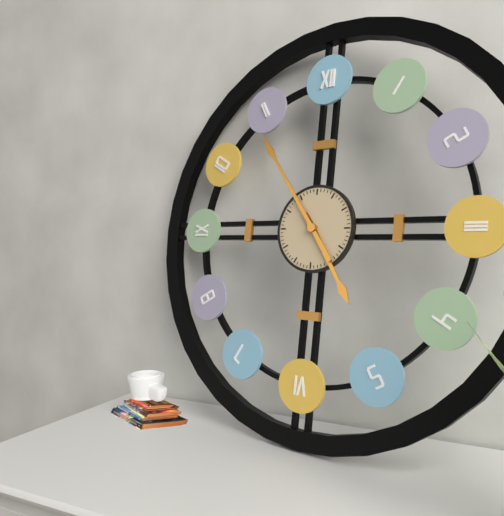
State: 4:54
